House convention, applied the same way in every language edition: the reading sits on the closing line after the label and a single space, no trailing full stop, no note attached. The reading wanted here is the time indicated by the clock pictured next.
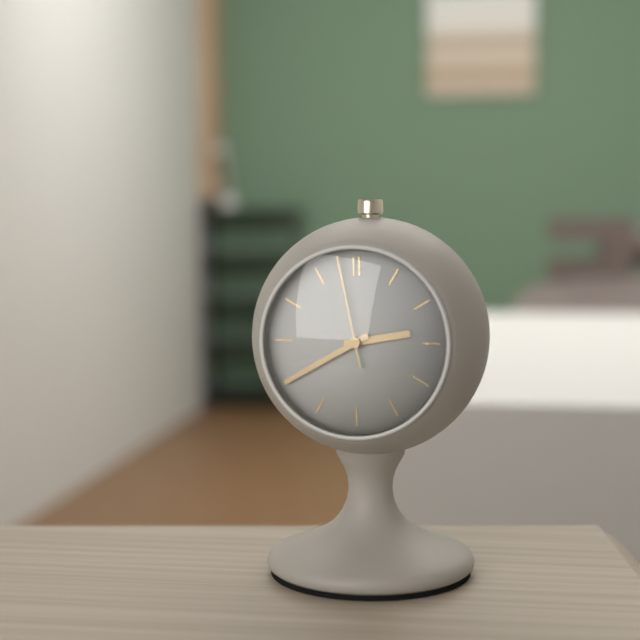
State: 2:40:58
